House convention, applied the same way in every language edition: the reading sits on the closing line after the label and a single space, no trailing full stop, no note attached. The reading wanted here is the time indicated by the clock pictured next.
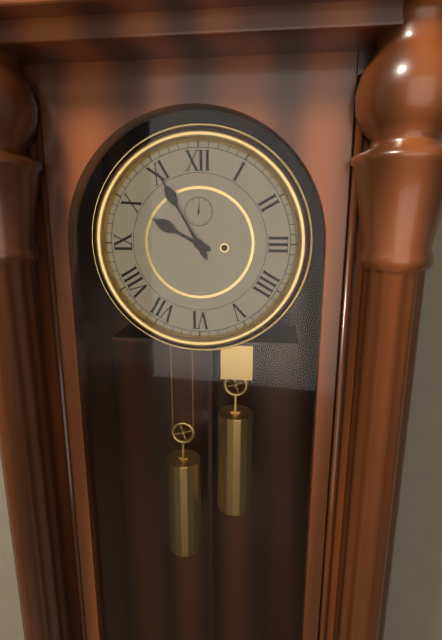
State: 9:55
